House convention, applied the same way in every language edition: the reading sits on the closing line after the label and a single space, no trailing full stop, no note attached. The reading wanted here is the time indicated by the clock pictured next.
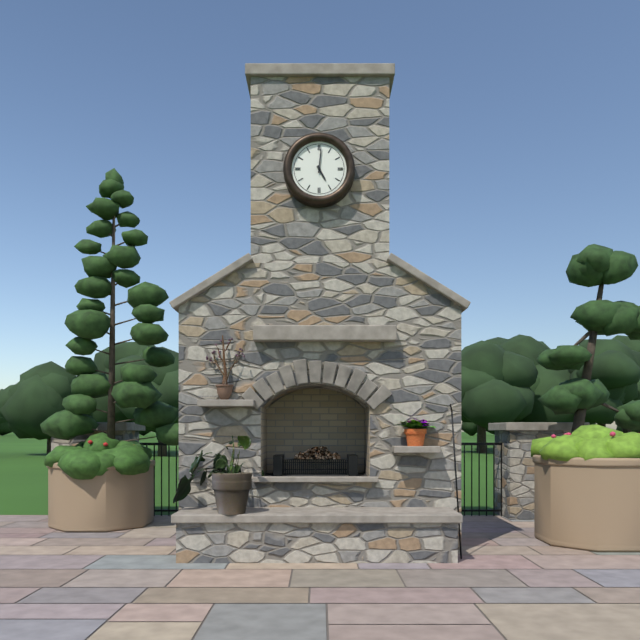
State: 5:01
